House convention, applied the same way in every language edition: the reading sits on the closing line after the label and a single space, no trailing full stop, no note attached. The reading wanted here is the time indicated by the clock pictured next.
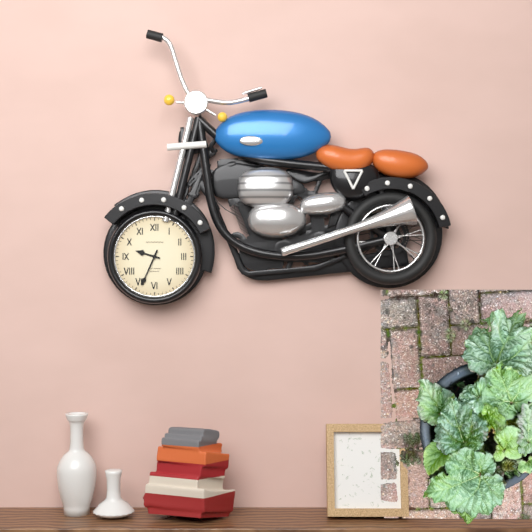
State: 9:34
